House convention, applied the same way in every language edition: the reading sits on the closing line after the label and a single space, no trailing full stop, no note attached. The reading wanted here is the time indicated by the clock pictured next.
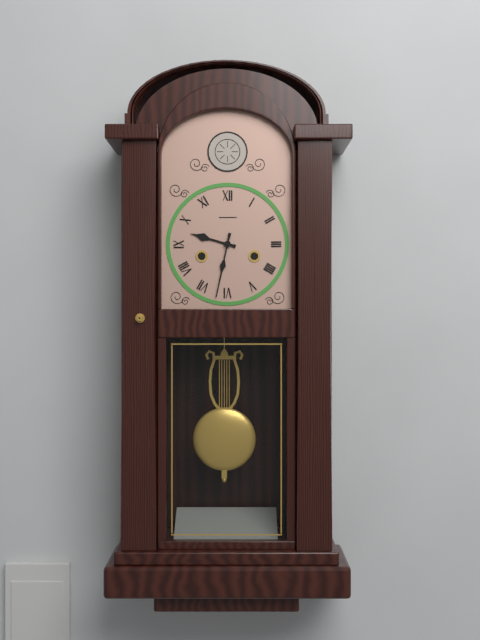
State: 9:32
